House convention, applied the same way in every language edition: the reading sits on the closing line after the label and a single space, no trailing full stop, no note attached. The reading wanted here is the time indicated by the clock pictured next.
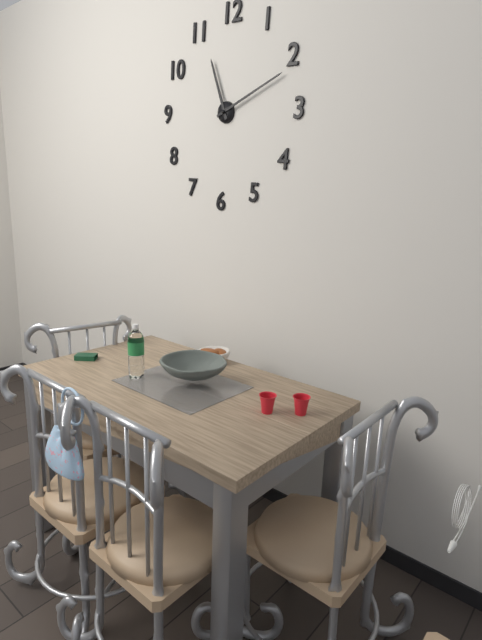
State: 11:11
